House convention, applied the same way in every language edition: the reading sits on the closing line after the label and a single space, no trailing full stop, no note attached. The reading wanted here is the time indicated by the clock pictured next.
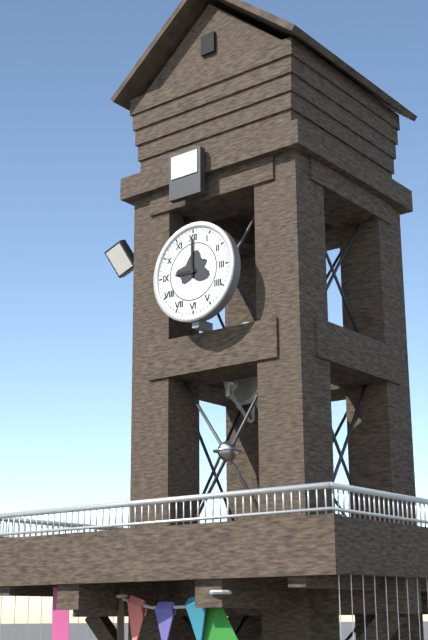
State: 9:00
